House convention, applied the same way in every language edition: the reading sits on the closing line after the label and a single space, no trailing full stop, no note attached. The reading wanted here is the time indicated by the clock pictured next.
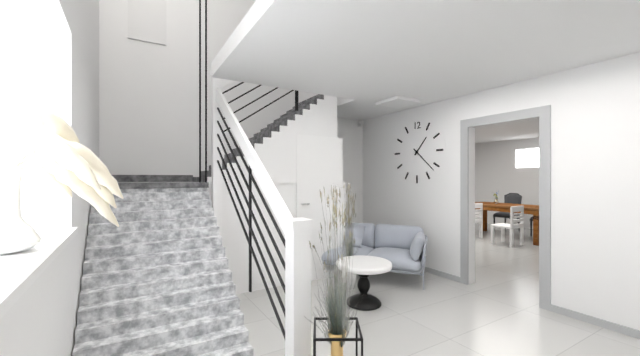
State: 1:22
